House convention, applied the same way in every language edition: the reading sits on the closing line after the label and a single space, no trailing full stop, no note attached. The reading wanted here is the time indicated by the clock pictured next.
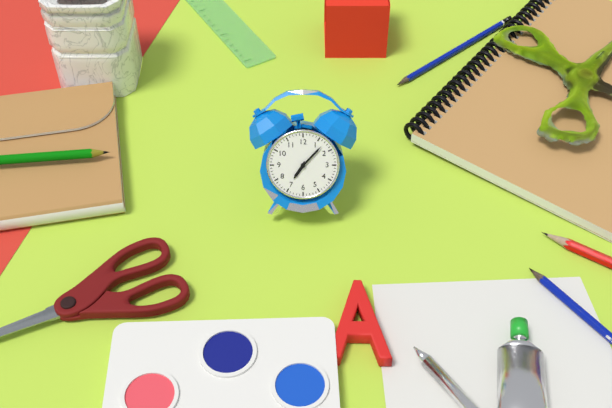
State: 7:07
